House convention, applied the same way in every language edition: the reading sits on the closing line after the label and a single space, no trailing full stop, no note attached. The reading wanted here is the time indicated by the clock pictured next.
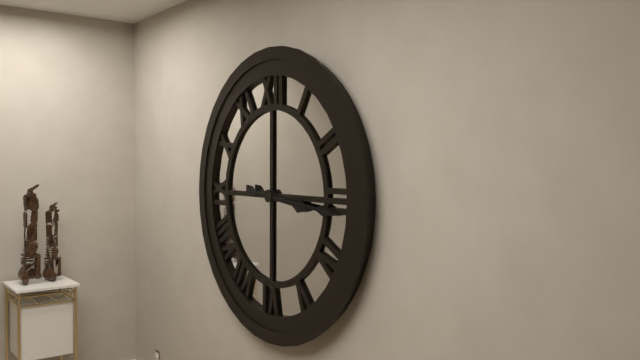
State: 3:16
